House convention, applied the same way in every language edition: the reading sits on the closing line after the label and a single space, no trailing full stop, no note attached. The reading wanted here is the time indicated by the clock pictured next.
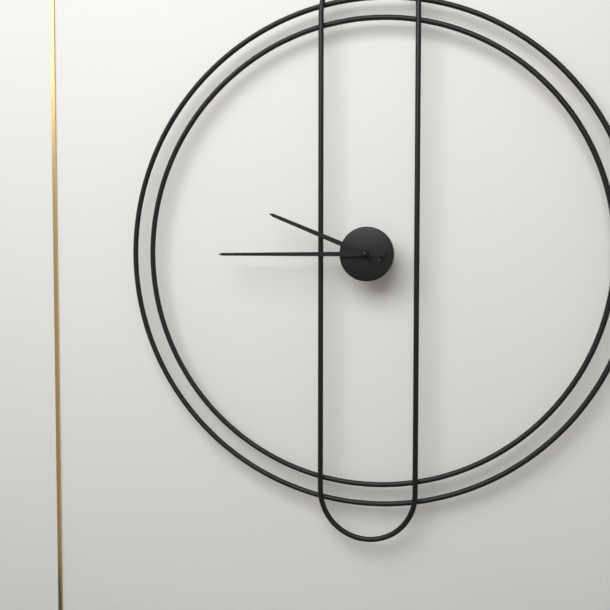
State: 9:45
